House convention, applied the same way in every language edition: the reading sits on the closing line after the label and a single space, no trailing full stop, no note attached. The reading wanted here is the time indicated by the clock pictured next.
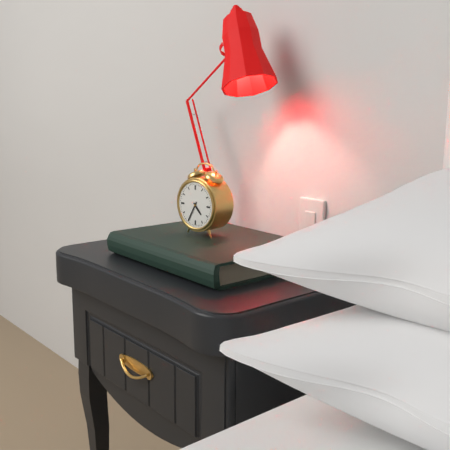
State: 4:35
